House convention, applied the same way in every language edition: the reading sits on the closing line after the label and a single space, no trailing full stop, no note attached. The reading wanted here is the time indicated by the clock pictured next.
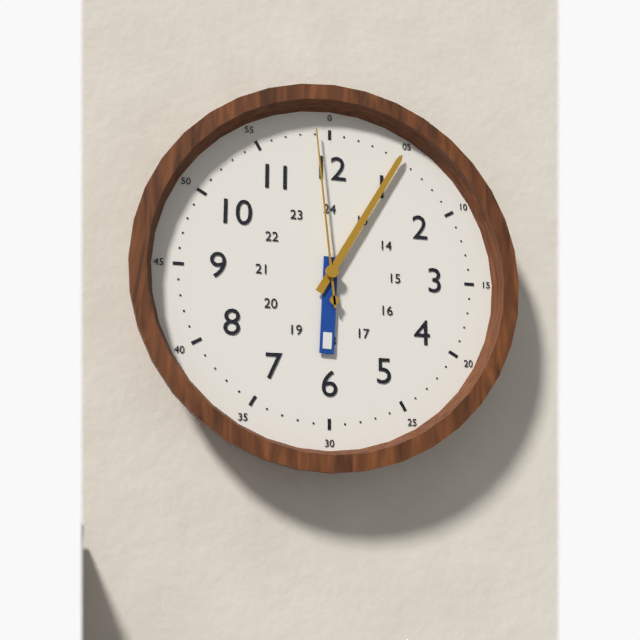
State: 6:05:59
